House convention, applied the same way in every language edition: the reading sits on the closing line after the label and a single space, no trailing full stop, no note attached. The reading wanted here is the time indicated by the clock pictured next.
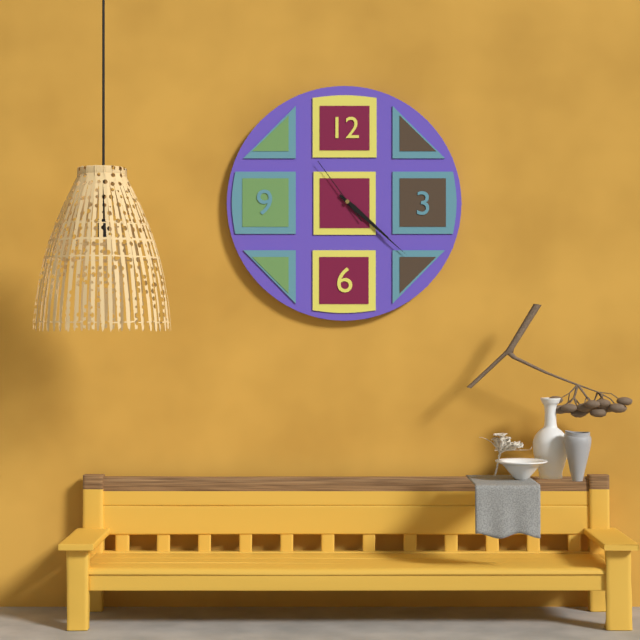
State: 4:22:54
